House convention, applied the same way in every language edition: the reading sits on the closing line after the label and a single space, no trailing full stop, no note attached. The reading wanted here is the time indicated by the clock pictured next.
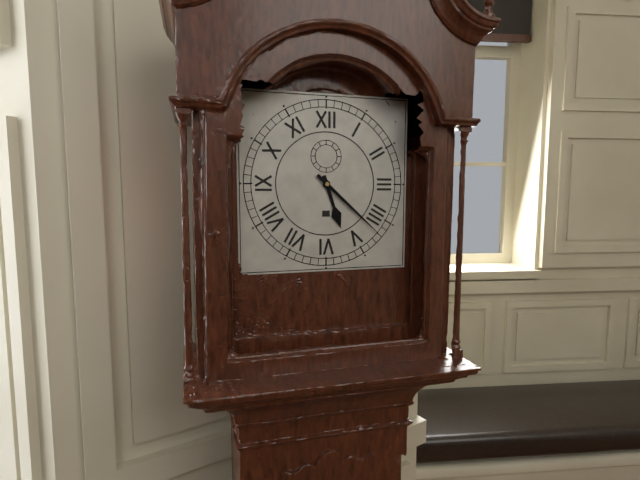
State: 5:22
